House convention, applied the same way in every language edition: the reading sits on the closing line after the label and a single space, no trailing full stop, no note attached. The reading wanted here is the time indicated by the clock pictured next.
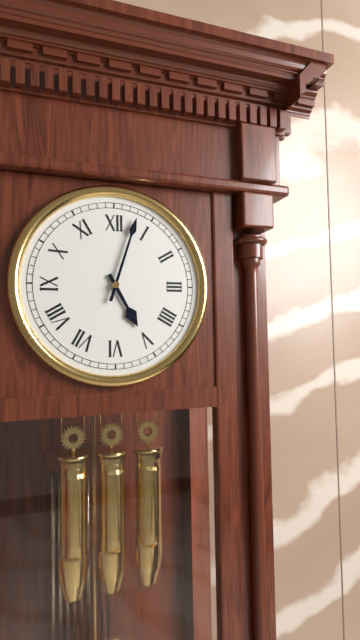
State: 5:03
